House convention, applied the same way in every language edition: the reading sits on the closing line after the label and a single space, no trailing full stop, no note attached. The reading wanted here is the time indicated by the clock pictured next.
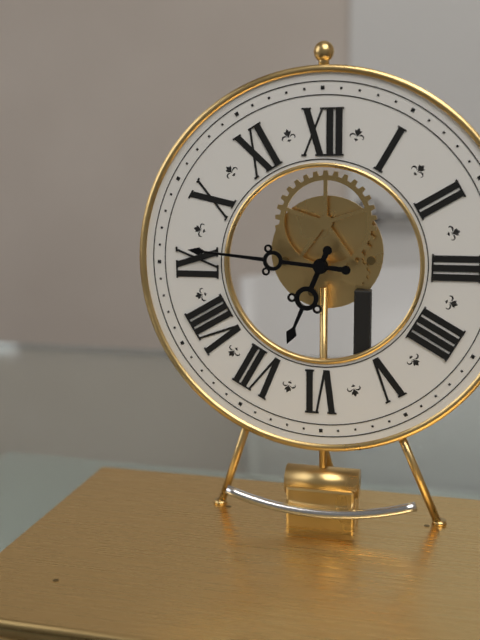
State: 6:46
